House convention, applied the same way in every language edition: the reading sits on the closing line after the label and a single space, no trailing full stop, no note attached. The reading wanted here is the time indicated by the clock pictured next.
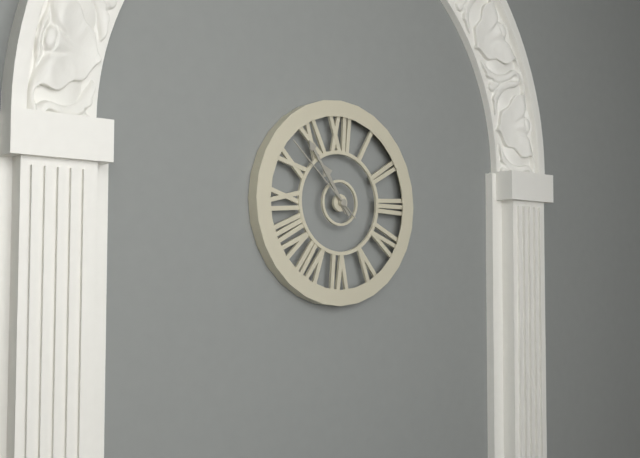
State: 10:54:52
